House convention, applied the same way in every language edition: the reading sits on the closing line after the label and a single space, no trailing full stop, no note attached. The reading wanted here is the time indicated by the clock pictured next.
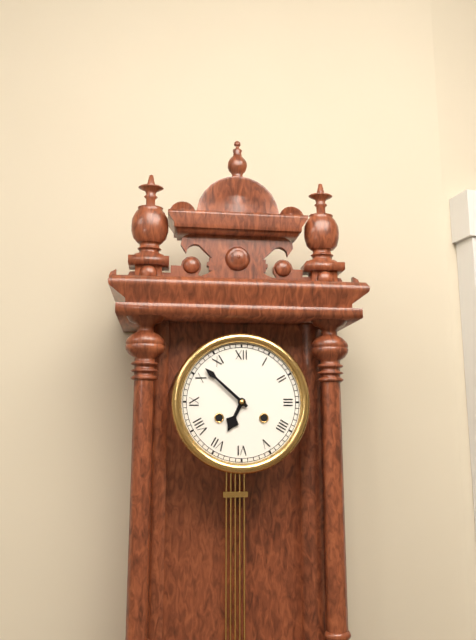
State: 6:52
